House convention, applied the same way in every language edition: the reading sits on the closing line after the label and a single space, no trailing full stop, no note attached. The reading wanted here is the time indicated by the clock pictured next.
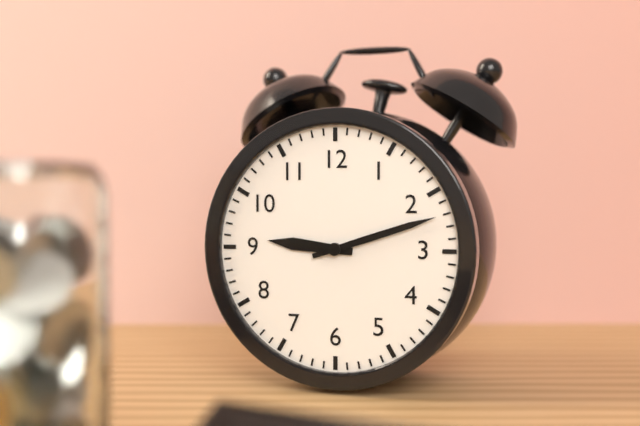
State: 9:12
